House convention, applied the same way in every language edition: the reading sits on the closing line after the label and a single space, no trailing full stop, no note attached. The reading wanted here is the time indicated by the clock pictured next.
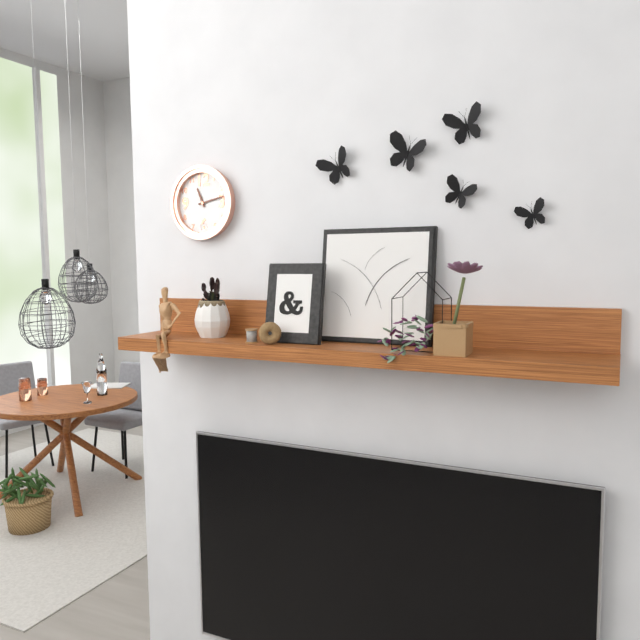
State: 11:13
